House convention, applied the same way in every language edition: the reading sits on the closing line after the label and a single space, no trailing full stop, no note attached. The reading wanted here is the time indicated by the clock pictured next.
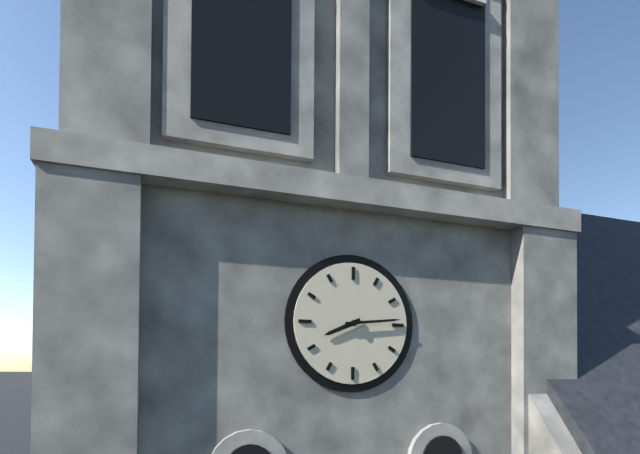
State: 8:14
